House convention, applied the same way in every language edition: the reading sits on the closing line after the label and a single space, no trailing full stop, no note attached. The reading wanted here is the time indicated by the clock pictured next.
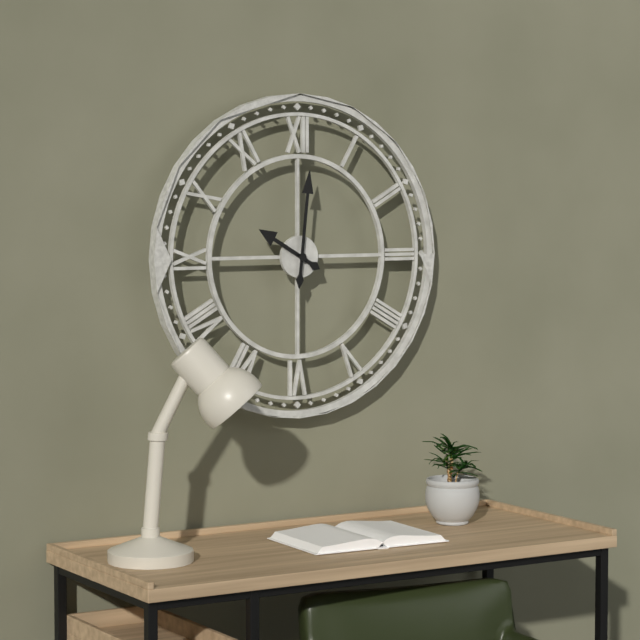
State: 10:01
